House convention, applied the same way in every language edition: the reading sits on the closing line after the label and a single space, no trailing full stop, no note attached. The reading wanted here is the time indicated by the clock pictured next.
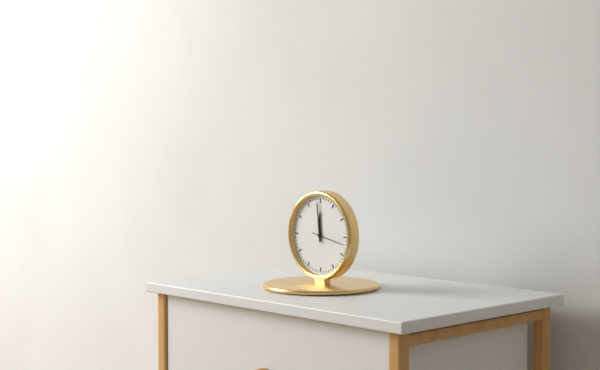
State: 11:59
